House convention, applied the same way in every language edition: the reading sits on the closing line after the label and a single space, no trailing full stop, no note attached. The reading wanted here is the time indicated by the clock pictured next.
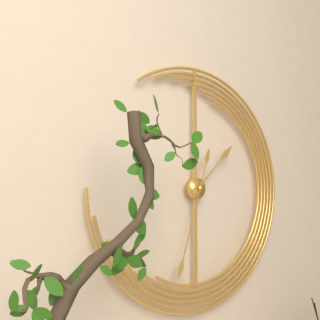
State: 1:33
